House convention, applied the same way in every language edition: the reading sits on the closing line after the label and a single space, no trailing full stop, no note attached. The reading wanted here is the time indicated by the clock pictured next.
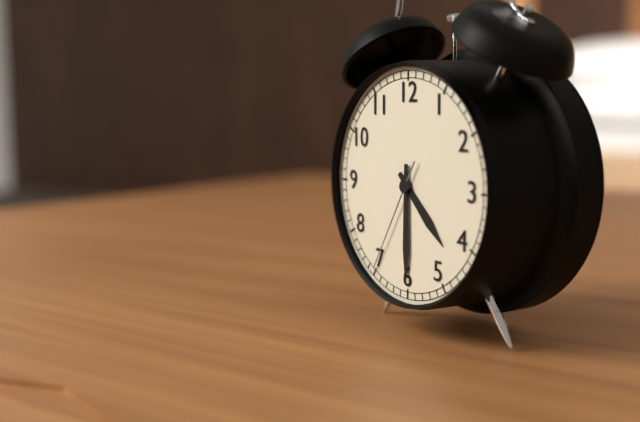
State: 4:30:35
